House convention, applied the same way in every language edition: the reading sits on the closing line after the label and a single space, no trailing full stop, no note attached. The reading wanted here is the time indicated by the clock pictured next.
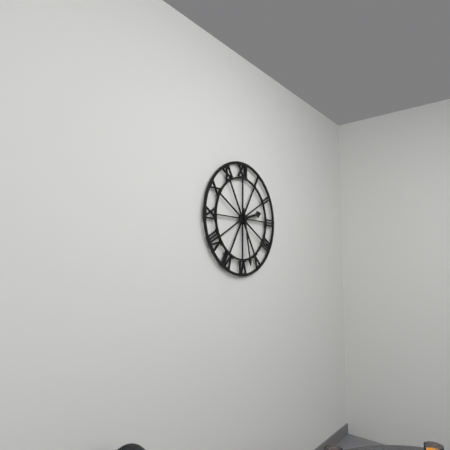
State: 2:28
